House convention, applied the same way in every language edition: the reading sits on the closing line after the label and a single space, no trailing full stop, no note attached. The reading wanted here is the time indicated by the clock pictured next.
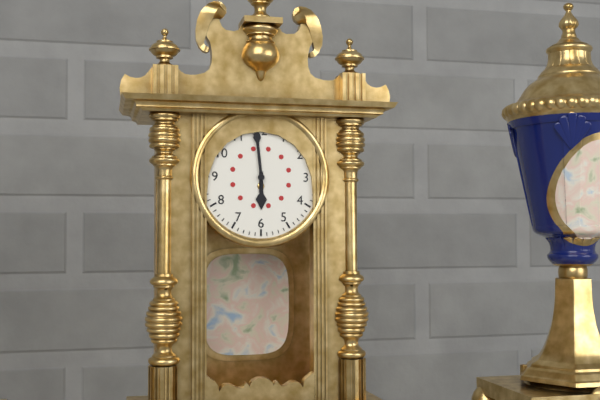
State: 5:59
